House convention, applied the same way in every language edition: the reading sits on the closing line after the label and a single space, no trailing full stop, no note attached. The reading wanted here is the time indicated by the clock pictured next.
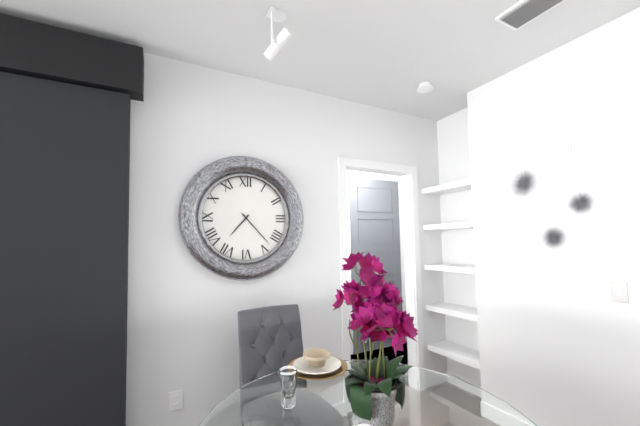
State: 7:23
